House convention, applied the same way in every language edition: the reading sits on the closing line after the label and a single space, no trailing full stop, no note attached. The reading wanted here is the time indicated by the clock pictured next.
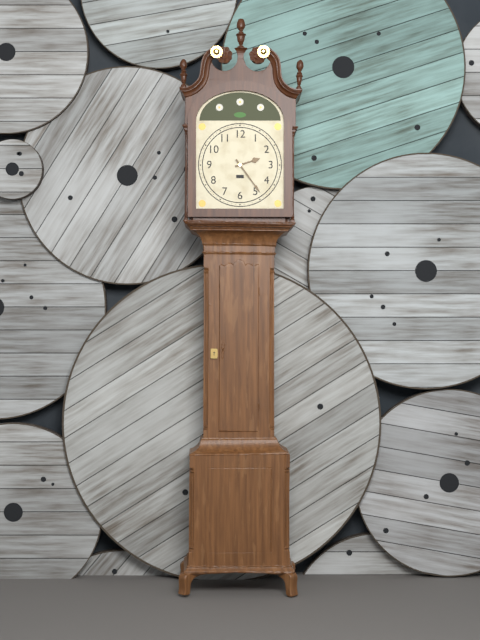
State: 2:24
